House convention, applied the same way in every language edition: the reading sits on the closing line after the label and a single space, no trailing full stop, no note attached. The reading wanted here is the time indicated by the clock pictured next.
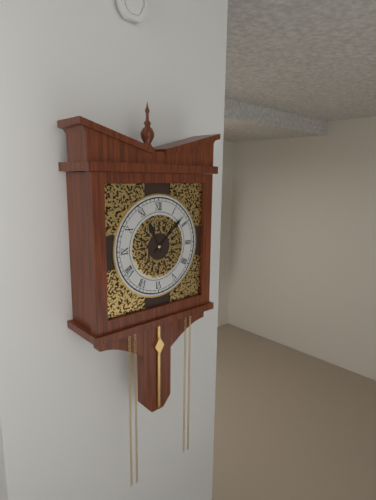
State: 11:08
